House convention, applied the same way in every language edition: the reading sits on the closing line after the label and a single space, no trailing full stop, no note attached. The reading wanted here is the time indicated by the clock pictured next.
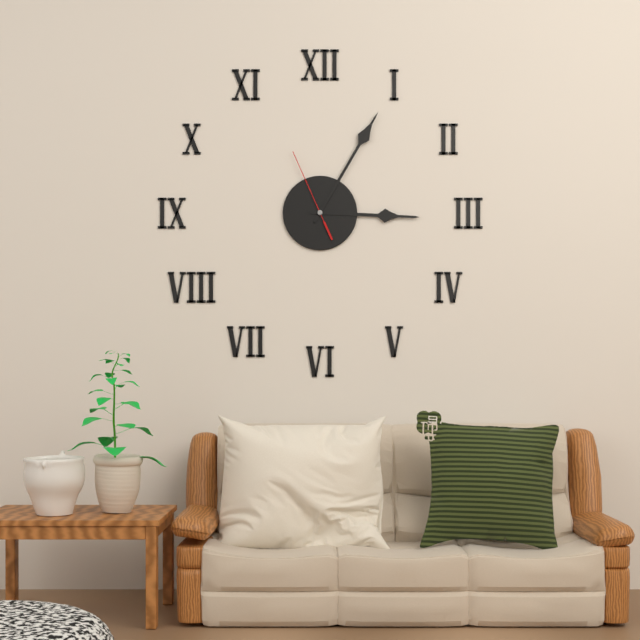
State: 3:05:56
